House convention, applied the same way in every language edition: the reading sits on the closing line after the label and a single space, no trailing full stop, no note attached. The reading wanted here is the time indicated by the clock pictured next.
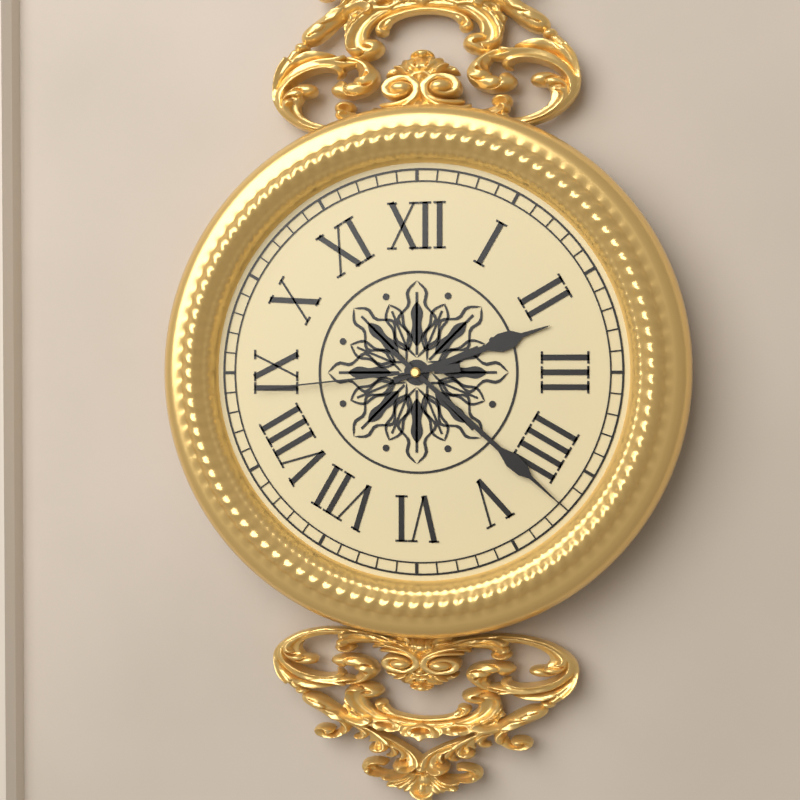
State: 2:22:44
